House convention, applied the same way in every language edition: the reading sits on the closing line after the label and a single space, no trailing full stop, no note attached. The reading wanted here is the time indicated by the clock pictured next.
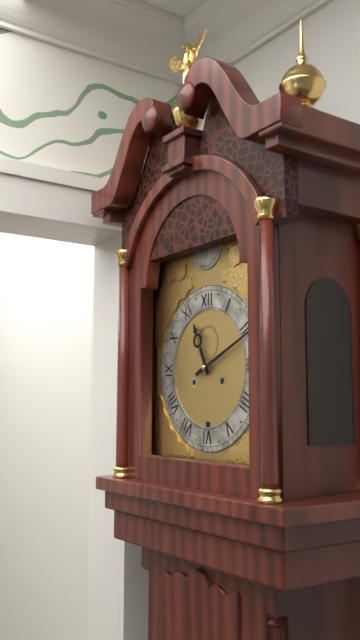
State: 11:11
